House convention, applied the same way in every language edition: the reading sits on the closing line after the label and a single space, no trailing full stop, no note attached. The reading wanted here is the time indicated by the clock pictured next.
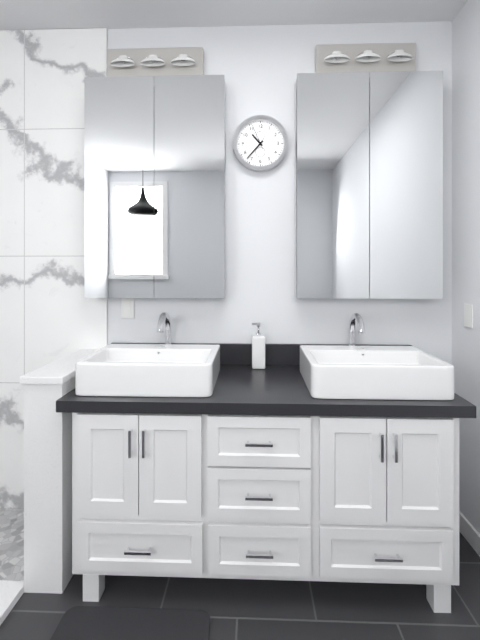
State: 10:37
